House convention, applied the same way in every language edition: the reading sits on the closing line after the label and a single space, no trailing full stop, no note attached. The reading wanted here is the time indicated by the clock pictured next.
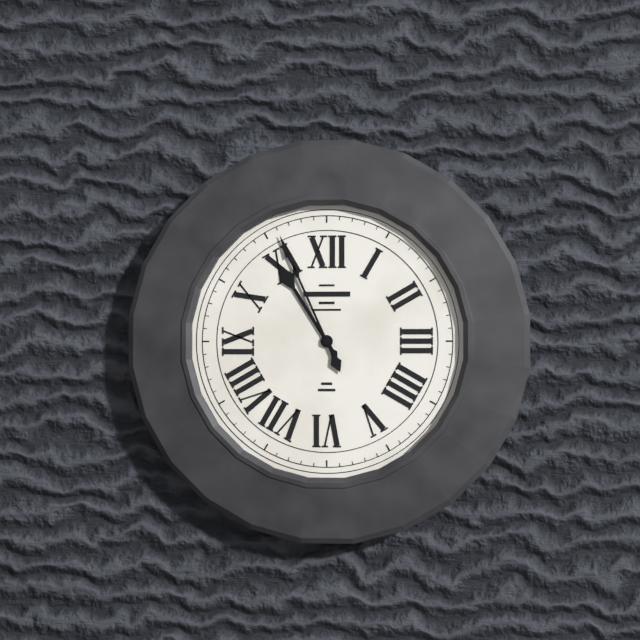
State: 10:56
